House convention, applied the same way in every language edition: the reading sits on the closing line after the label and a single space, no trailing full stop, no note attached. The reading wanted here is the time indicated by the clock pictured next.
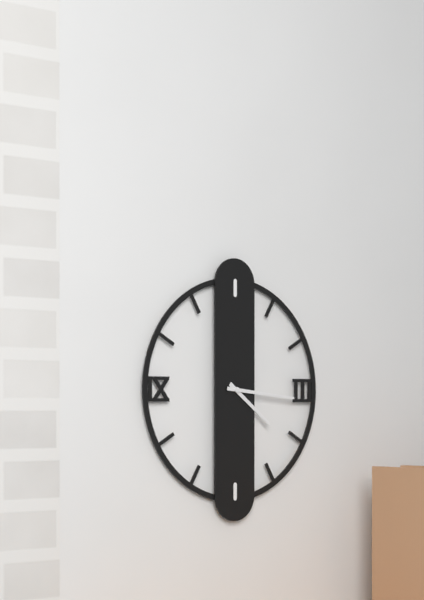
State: 4:16
